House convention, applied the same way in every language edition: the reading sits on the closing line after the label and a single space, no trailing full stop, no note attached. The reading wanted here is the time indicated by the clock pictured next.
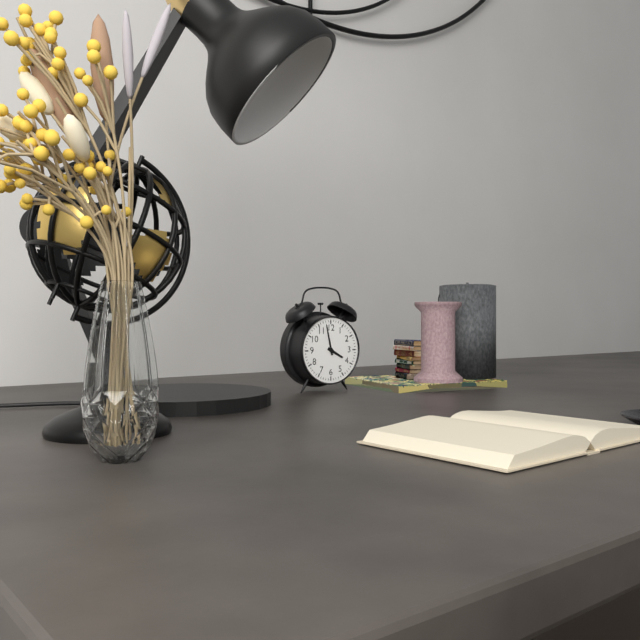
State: 3:58
